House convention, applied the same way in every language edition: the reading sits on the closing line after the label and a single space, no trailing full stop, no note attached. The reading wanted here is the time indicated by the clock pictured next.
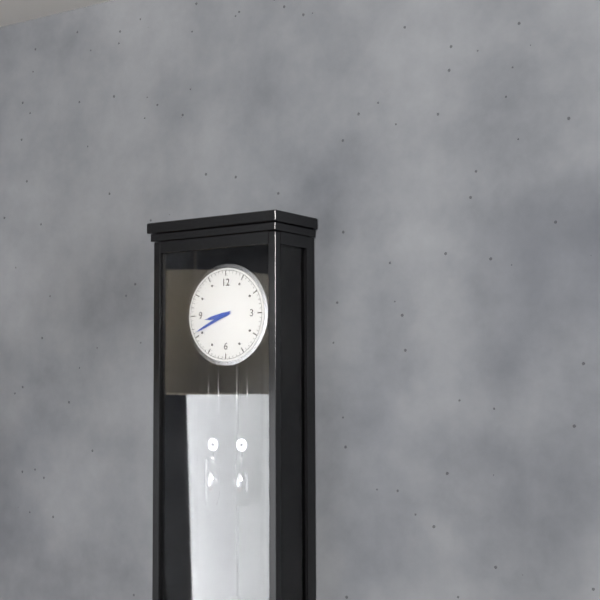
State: 8:41
